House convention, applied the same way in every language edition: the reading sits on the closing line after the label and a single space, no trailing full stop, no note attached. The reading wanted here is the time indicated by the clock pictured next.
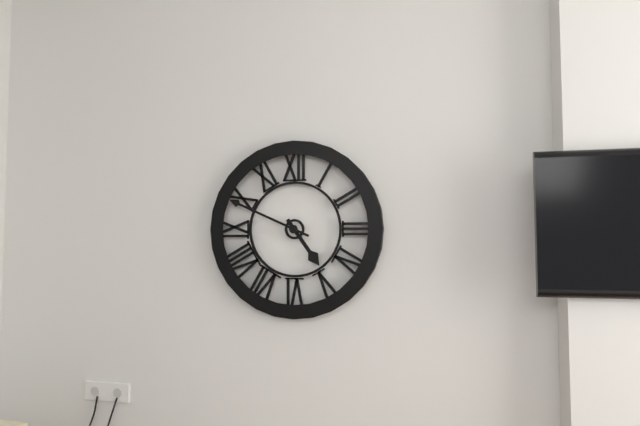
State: 4:49
